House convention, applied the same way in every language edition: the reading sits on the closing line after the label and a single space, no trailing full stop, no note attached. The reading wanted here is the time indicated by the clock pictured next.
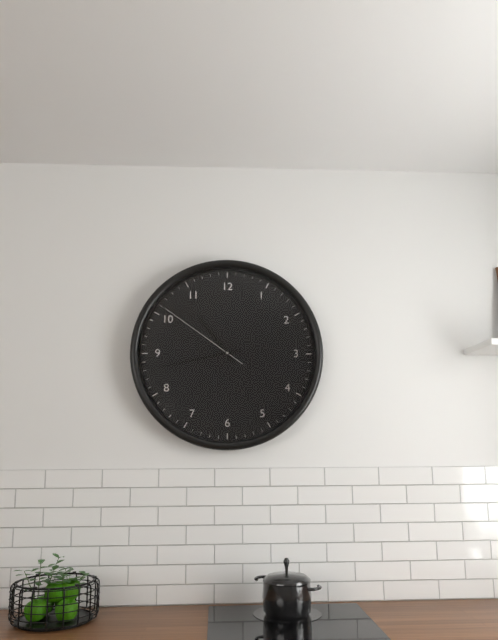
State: 10:43:51
